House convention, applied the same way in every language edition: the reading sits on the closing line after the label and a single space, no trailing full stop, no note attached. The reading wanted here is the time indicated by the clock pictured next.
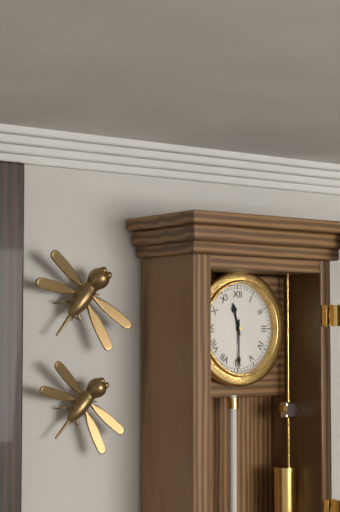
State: 11:30
